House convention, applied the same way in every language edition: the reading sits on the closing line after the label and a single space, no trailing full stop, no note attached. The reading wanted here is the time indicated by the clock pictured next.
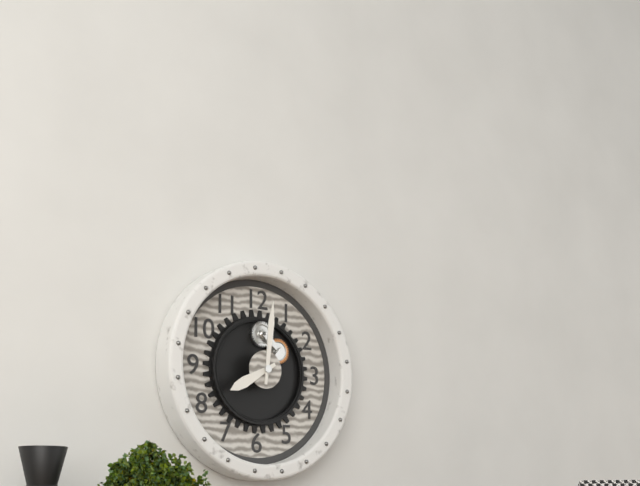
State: 8:01
